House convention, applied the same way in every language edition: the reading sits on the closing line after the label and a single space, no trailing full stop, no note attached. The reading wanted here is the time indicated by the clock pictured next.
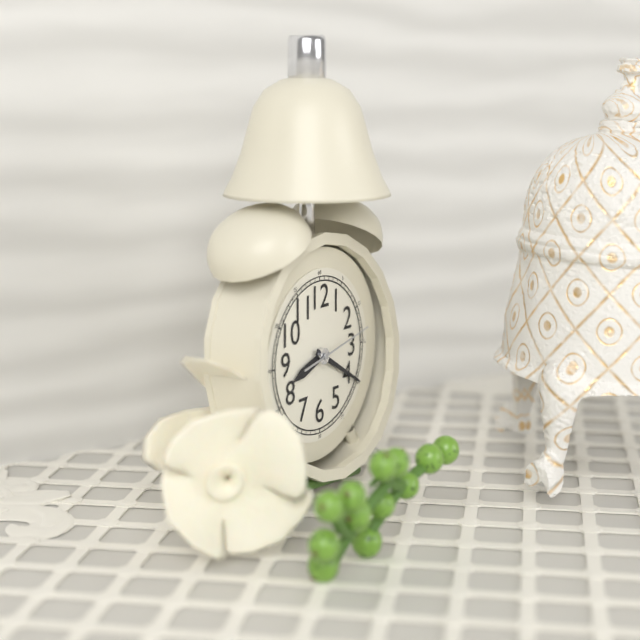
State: 8:20:13
